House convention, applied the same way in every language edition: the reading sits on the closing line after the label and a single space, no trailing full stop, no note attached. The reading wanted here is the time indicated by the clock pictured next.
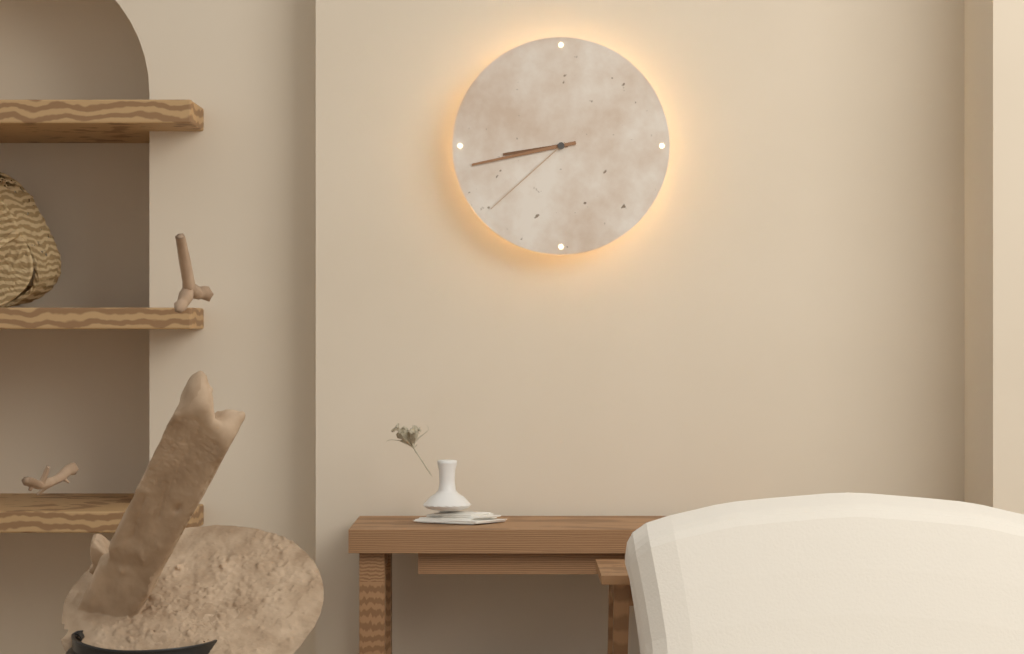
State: 8:43:38
